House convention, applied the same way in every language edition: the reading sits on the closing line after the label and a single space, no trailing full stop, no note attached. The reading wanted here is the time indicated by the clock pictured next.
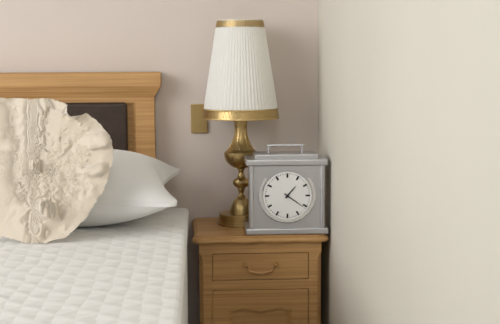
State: 1:21
